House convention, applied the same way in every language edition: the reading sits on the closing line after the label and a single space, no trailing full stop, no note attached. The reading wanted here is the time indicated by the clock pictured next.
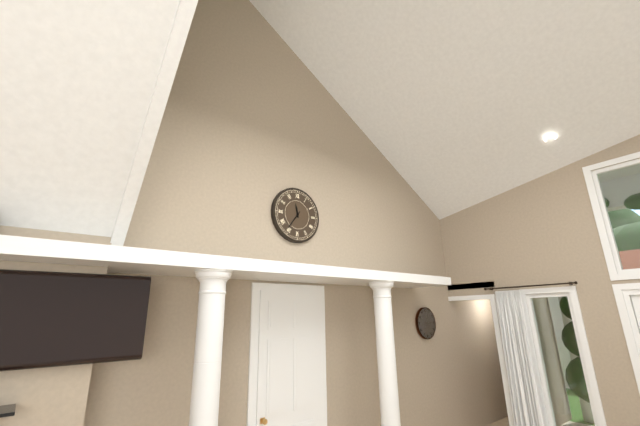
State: 11:36
